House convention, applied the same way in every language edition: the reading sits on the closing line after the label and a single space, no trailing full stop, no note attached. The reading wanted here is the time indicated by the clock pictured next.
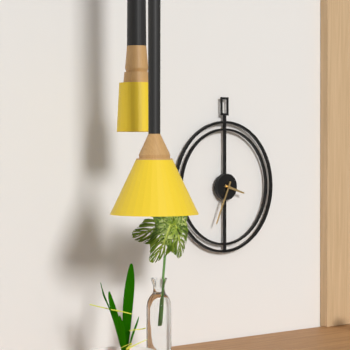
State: 3:34
